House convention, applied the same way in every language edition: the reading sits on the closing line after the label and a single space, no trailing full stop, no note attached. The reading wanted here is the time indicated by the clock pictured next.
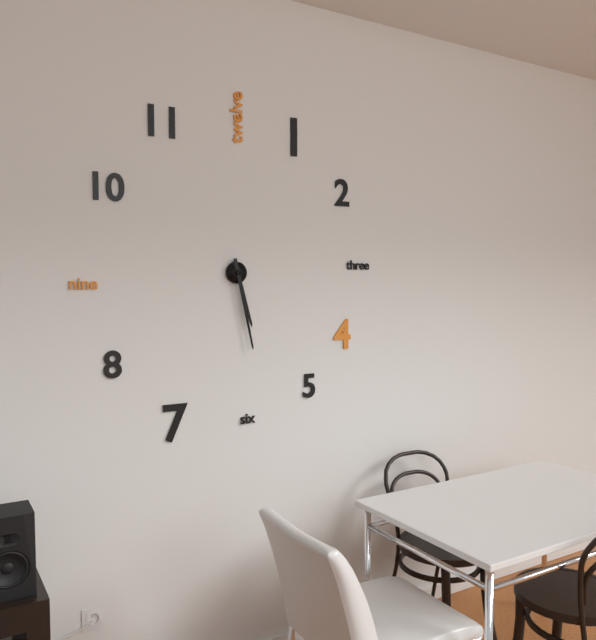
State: 5:28
